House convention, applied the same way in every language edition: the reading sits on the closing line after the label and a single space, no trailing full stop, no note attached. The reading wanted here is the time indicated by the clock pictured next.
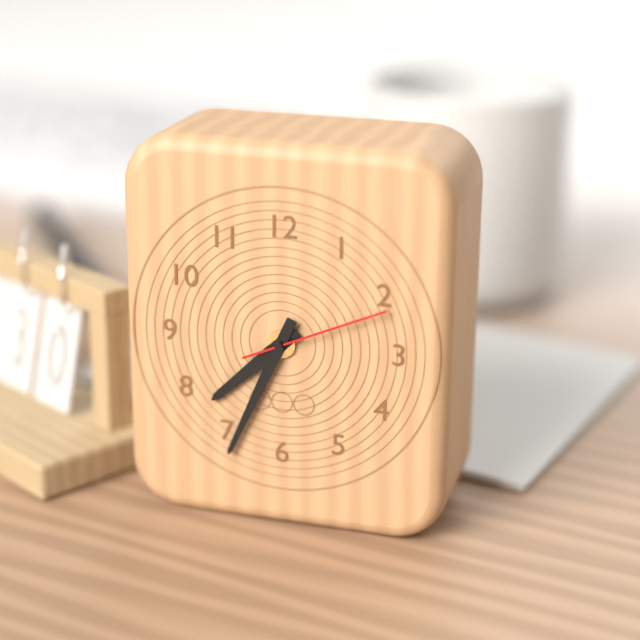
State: 7:34:11
